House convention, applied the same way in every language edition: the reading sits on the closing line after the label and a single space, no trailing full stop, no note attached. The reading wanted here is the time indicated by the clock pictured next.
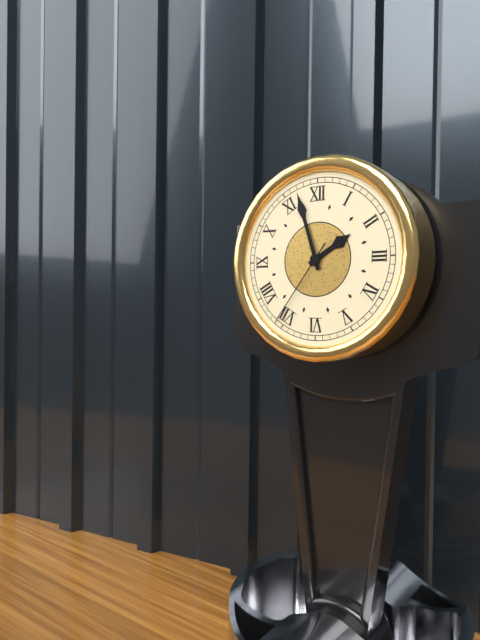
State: 1:57:36
